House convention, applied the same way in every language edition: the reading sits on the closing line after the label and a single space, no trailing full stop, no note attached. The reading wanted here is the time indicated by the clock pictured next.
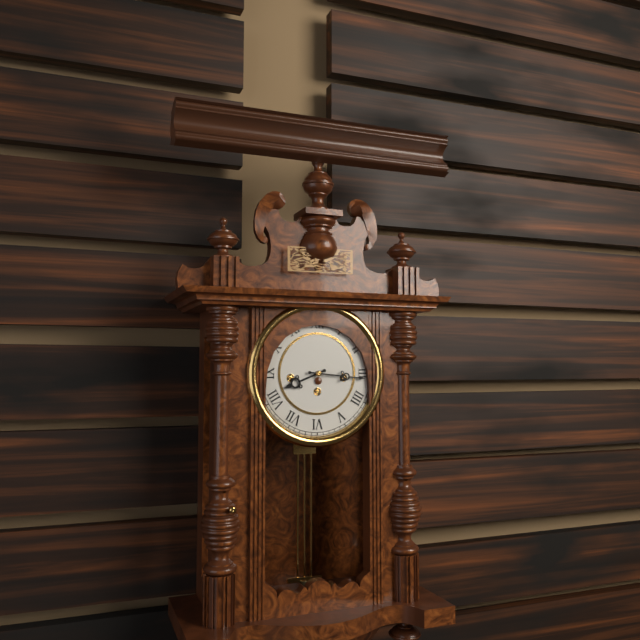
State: 8:16
